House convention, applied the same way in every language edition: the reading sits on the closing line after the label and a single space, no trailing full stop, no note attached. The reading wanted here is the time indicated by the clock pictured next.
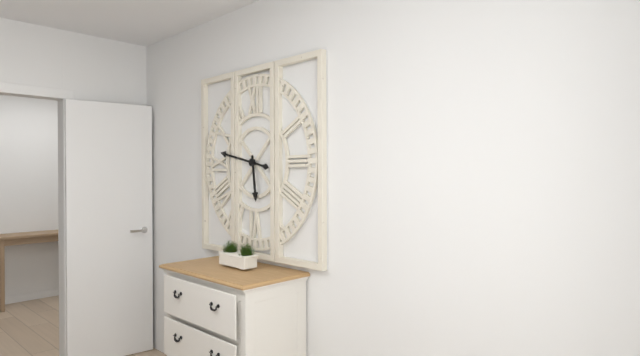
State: 5:47
